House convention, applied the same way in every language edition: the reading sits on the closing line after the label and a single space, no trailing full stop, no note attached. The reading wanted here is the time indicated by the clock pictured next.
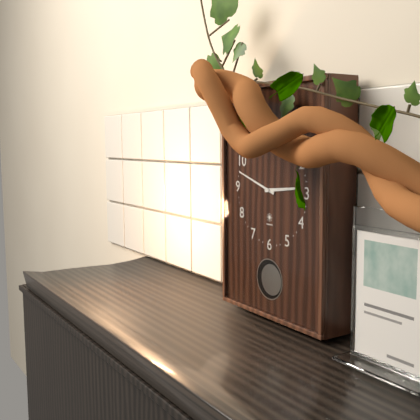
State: 2:48
